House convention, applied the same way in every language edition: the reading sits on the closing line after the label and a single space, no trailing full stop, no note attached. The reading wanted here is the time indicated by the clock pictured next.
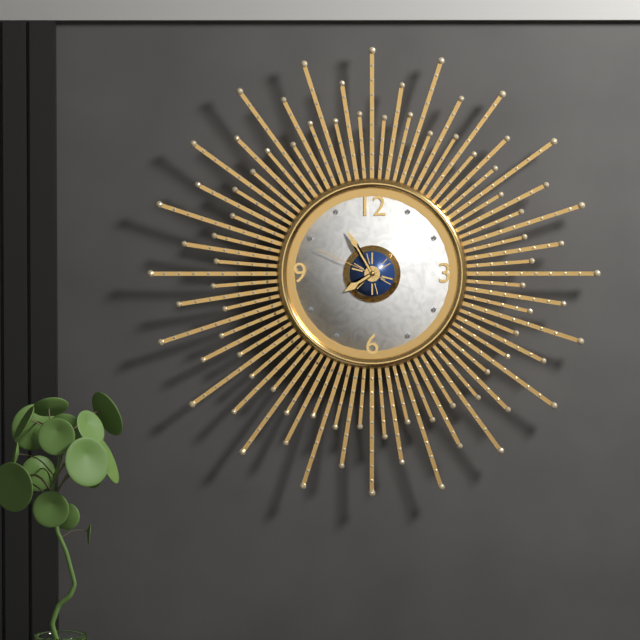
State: 7:55:49
